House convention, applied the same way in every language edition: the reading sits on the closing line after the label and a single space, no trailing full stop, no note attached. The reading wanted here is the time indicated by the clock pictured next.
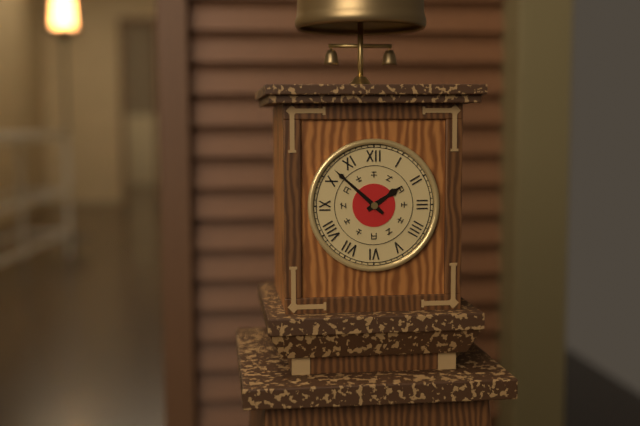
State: 1:52
